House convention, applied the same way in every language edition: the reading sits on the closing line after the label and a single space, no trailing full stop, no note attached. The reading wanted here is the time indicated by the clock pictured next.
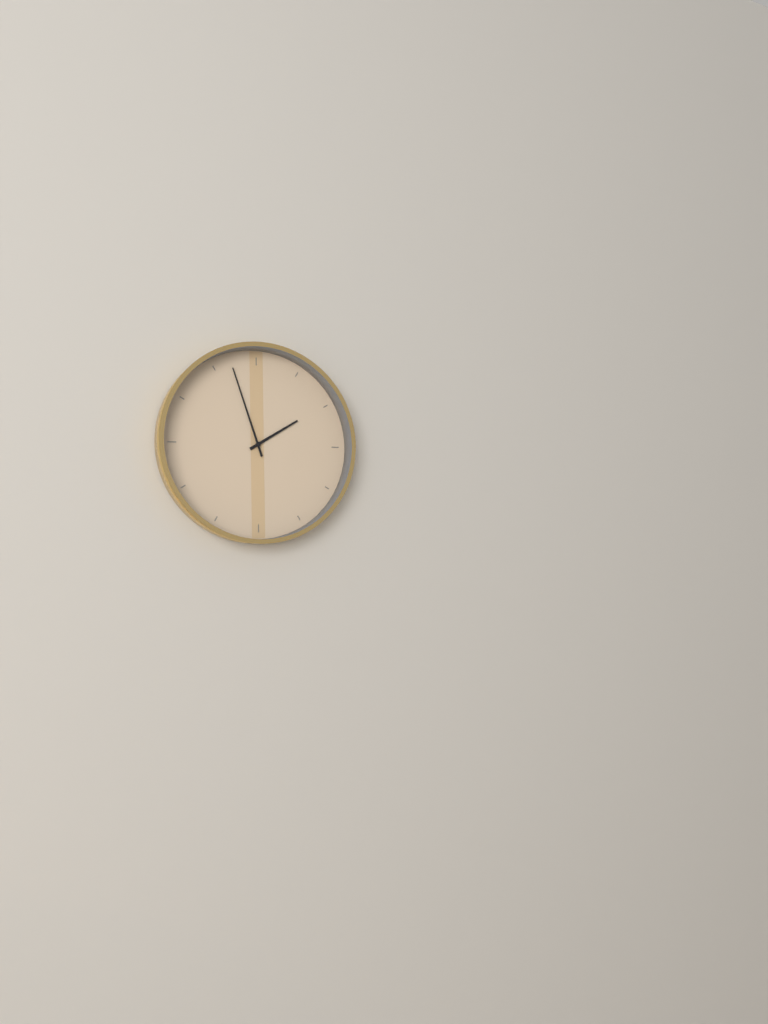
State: 1:57
